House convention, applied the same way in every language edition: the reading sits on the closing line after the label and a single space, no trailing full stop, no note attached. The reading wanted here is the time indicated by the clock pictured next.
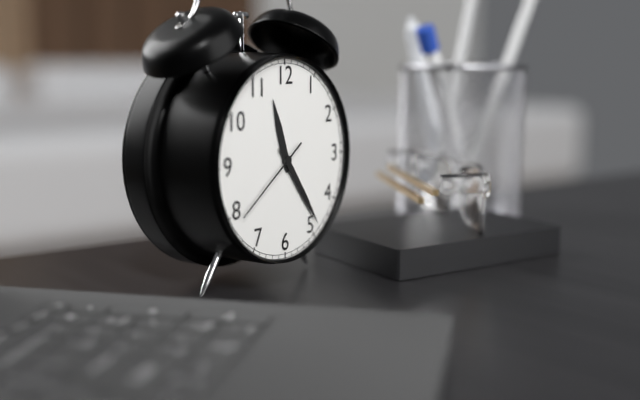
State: 11:24:39
